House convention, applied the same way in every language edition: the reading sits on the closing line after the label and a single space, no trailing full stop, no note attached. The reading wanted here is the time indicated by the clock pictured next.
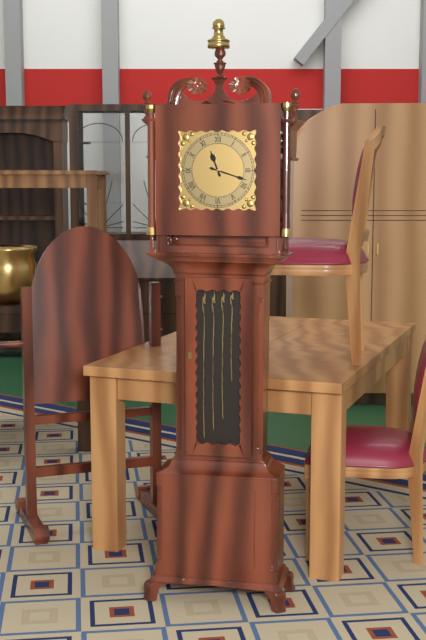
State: 11:18
